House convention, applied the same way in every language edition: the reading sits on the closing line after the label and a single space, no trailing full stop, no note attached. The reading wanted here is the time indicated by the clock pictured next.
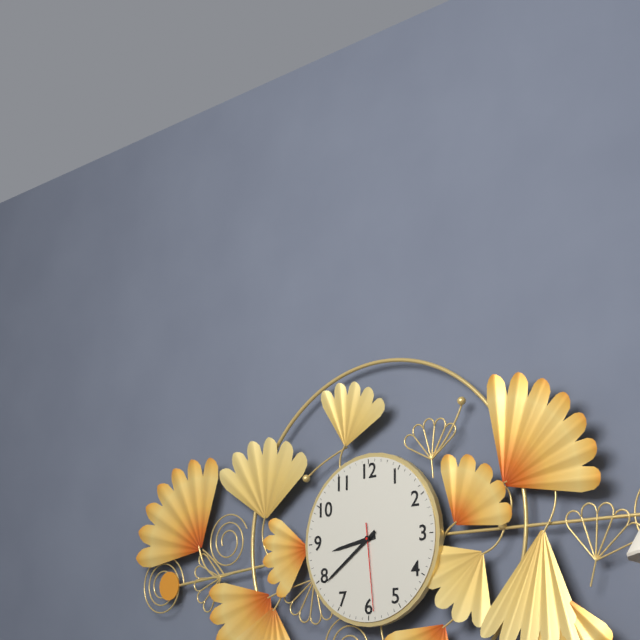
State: 8:39:29
